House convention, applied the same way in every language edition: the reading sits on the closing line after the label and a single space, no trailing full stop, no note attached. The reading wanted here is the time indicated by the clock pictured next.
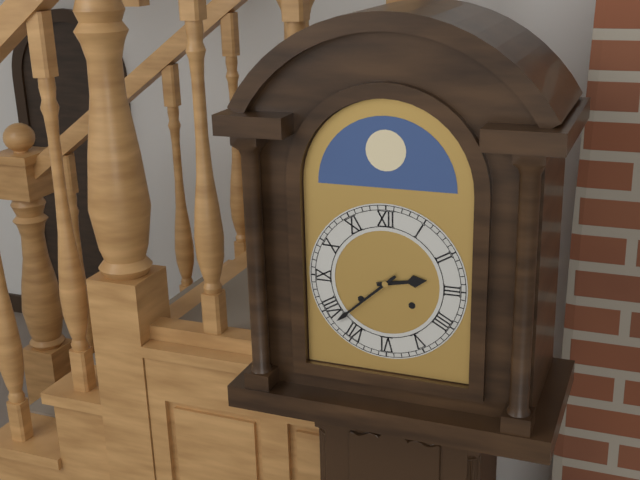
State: 2:38
